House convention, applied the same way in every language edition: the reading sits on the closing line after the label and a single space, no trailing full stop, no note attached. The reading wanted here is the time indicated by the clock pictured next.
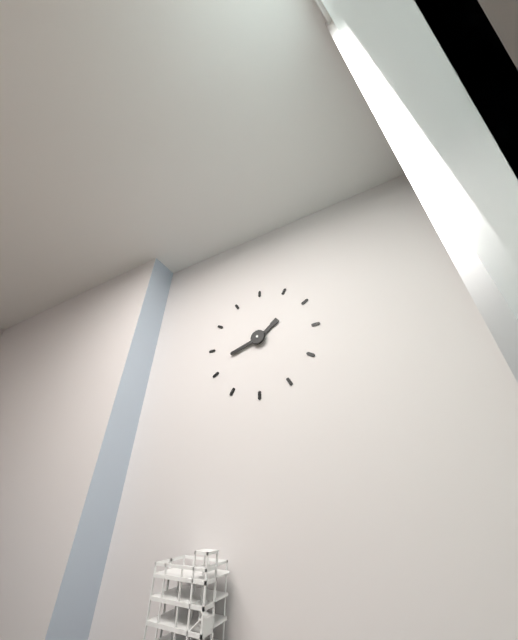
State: 1:42
